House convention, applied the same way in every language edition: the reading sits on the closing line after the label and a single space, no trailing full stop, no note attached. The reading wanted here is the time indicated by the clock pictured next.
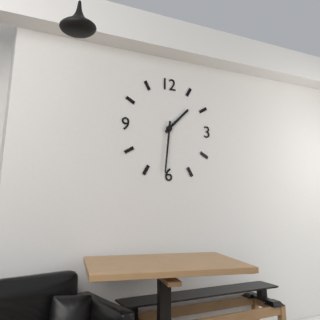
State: 1:31
